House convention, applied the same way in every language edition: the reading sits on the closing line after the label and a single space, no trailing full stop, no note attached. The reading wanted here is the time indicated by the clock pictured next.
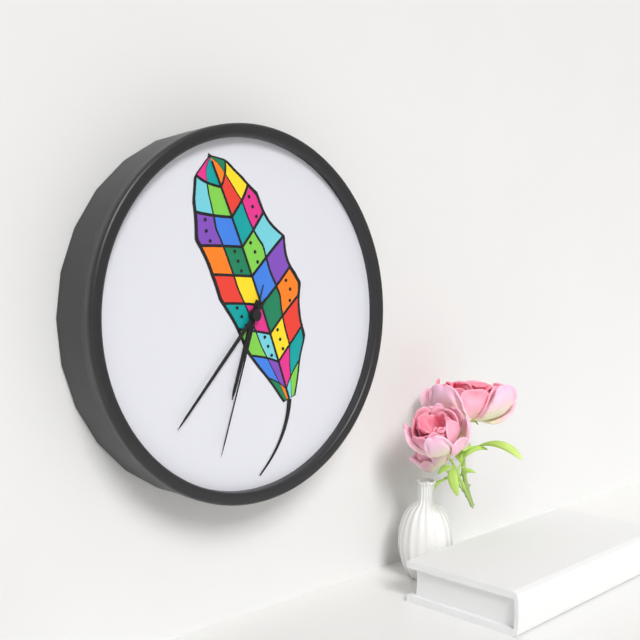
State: 6:37:33
